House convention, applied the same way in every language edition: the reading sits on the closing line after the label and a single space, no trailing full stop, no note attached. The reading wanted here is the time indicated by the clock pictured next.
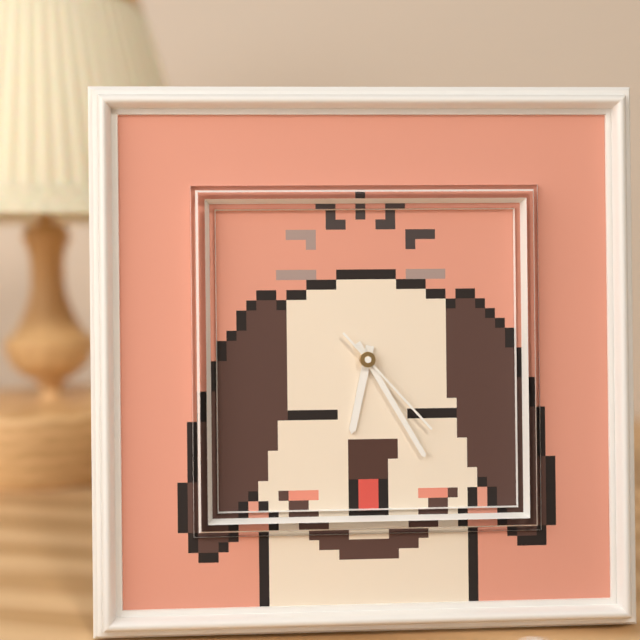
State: 6:25:23
